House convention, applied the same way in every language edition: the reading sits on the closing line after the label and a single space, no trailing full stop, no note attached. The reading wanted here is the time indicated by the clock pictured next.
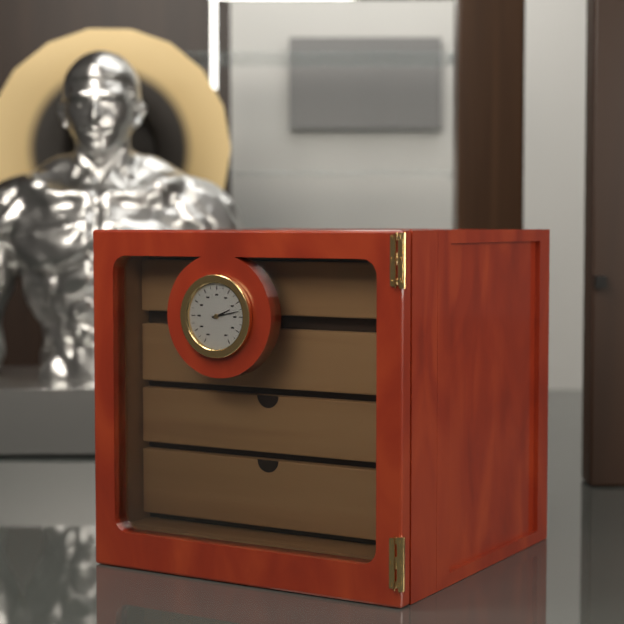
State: 2:13
